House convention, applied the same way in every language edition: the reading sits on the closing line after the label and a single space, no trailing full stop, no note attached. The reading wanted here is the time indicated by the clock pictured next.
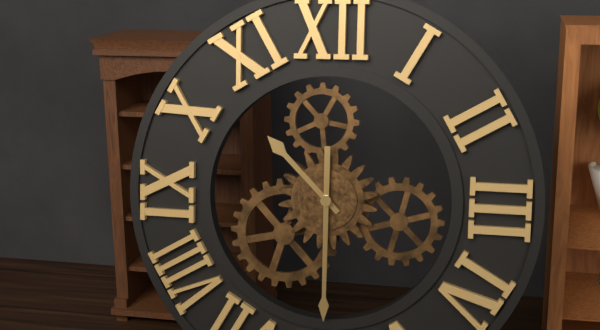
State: 10:30
